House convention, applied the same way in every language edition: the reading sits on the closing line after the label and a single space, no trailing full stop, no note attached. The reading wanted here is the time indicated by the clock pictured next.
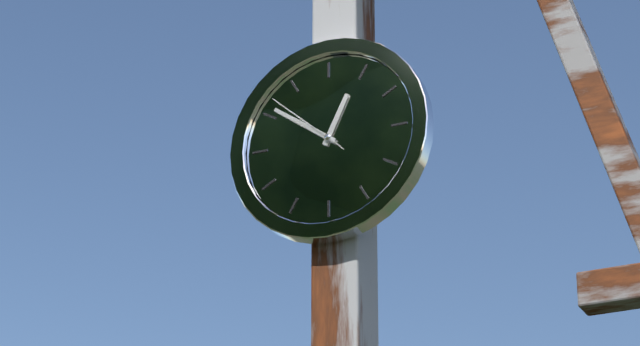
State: 12:51:52
